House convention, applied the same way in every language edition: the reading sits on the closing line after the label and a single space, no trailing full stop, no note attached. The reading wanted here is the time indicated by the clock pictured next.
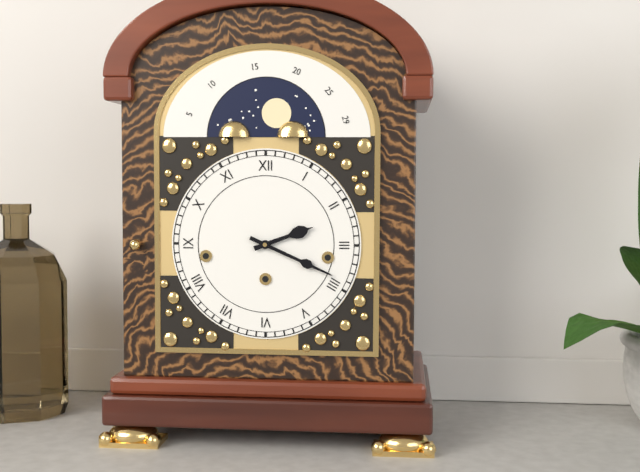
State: 2:19
